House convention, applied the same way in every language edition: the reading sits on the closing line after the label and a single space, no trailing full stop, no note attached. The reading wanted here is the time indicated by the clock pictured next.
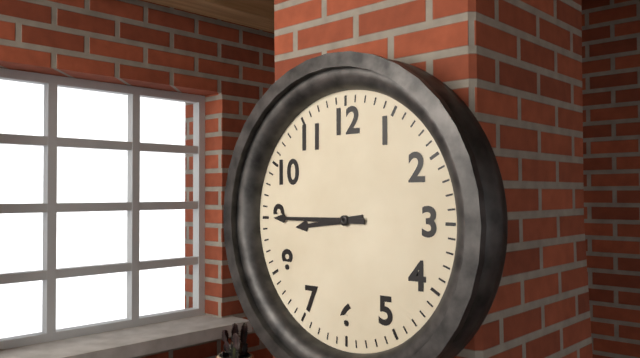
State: 8:45
